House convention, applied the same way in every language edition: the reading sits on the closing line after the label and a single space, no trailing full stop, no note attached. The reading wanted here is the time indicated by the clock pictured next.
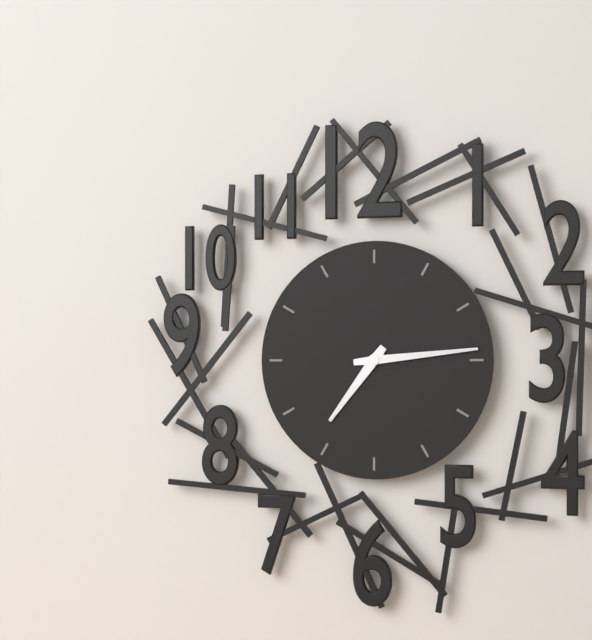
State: 7:14
